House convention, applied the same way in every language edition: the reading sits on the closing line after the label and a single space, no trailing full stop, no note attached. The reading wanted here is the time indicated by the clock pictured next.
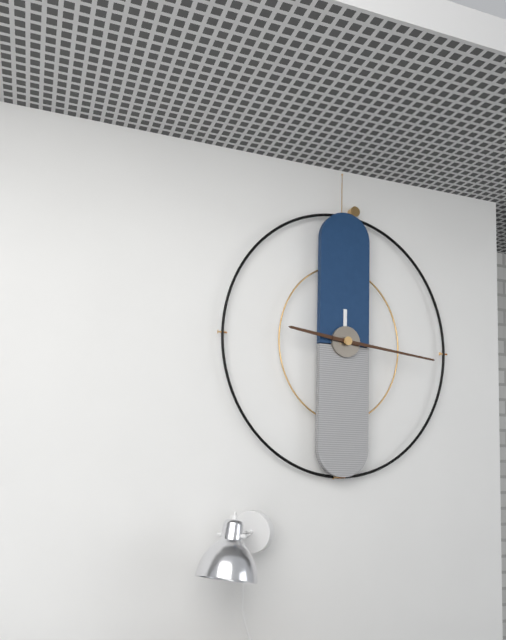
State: 9:16
